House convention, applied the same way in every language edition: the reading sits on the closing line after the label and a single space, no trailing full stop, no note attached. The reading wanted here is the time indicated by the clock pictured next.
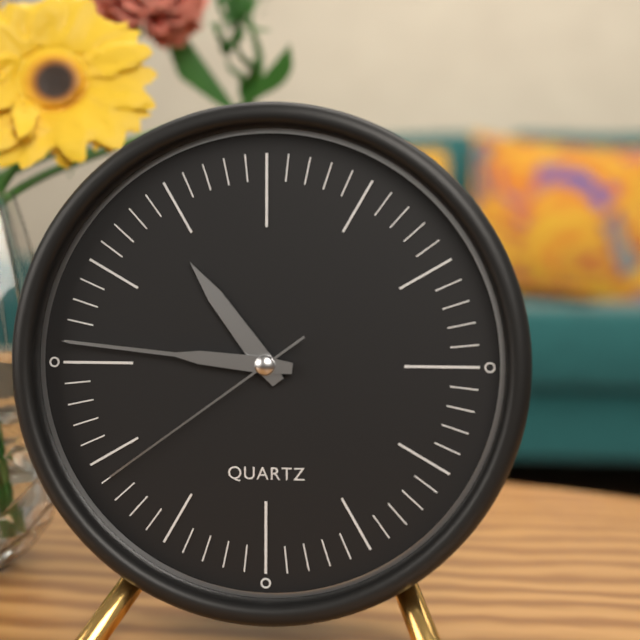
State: 10:46:39
